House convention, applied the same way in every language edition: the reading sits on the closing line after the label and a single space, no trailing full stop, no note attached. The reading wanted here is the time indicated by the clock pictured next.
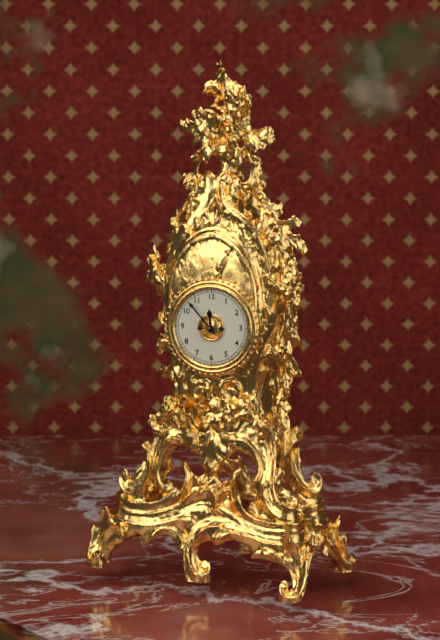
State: 11:53
